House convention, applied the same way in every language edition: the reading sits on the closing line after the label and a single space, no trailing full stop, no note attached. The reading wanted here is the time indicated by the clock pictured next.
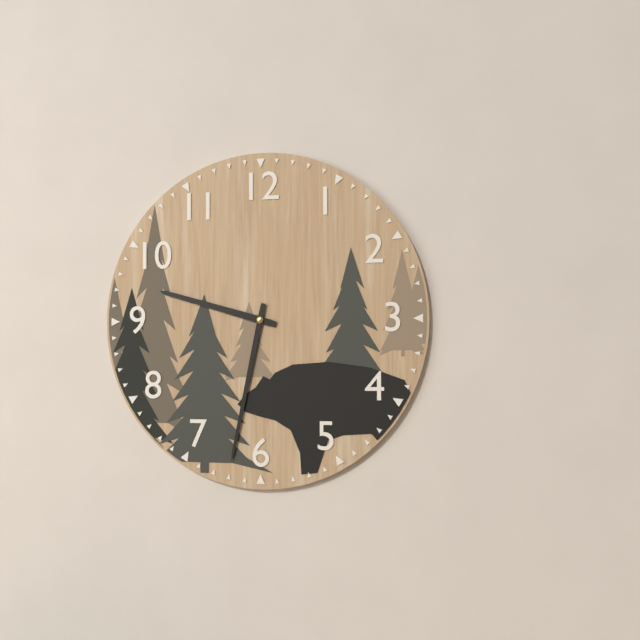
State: 9:32
